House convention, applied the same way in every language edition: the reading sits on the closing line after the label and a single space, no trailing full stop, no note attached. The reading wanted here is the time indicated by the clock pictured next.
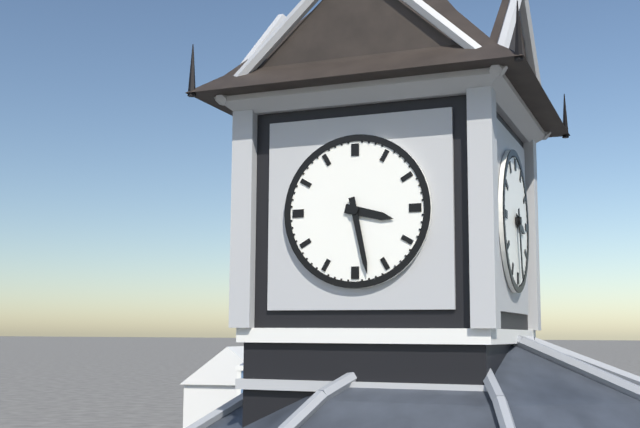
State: 3:28
